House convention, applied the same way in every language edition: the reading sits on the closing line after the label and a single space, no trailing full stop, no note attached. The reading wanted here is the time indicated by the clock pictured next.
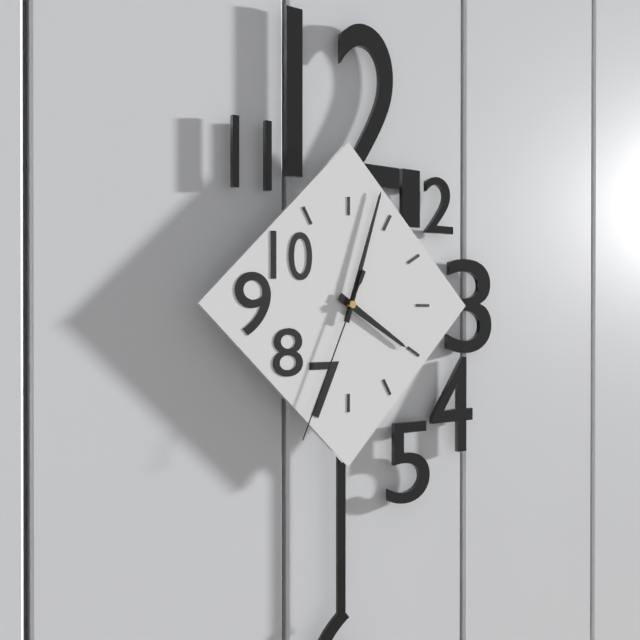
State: 4:03:34
